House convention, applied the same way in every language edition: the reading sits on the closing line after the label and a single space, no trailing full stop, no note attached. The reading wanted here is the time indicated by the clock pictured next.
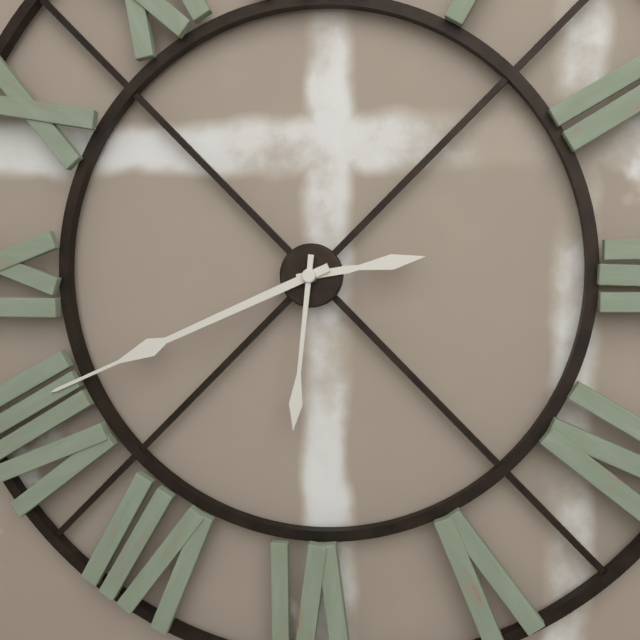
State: 2:41:31
